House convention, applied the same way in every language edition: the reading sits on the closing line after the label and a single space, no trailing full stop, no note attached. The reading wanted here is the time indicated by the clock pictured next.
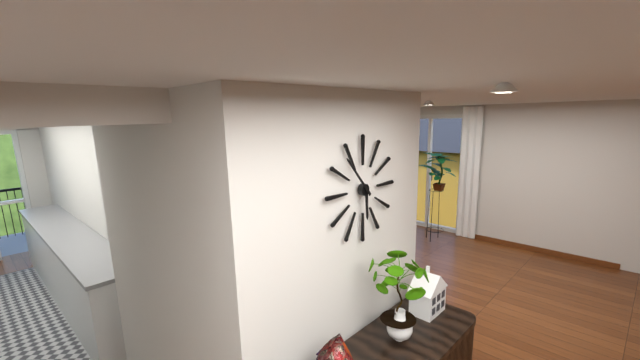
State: 5:53
